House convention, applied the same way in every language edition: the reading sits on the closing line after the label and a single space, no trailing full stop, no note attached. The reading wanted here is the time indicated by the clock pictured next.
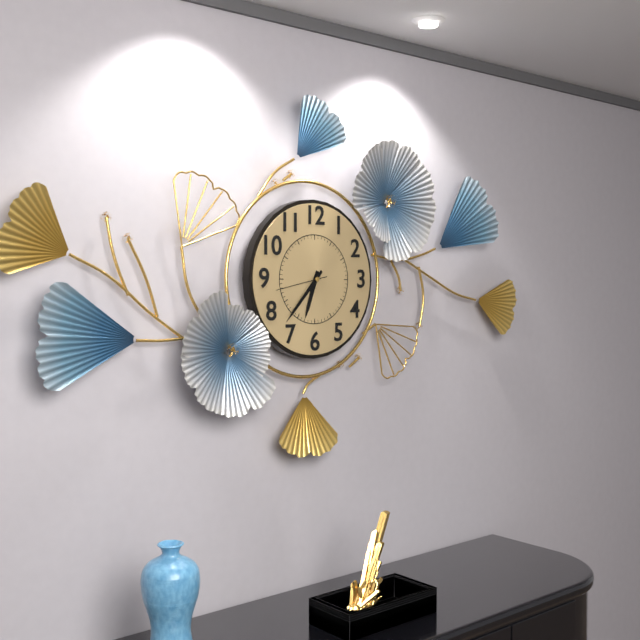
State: 6:37:43
